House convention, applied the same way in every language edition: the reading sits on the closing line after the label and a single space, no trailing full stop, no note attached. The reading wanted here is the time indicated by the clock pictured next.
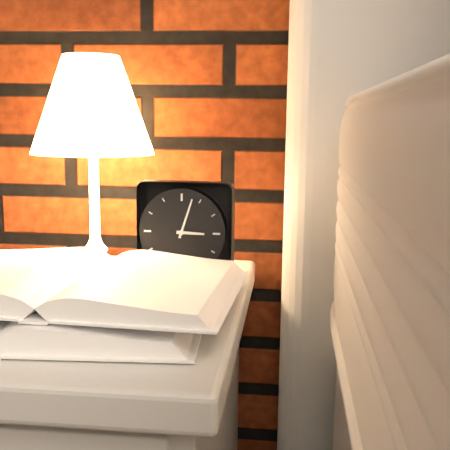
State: 3:03
